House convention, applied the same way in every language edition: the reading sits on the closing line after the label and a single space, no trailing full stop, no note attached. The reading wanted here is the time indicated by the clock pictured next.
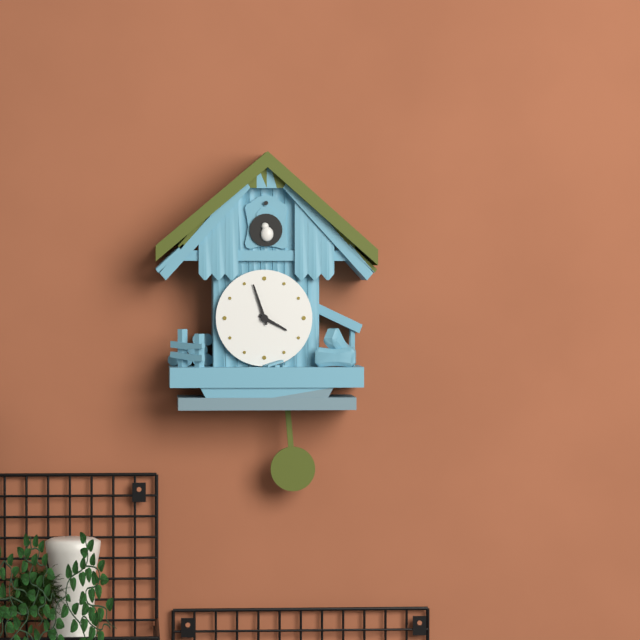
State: 3:57
